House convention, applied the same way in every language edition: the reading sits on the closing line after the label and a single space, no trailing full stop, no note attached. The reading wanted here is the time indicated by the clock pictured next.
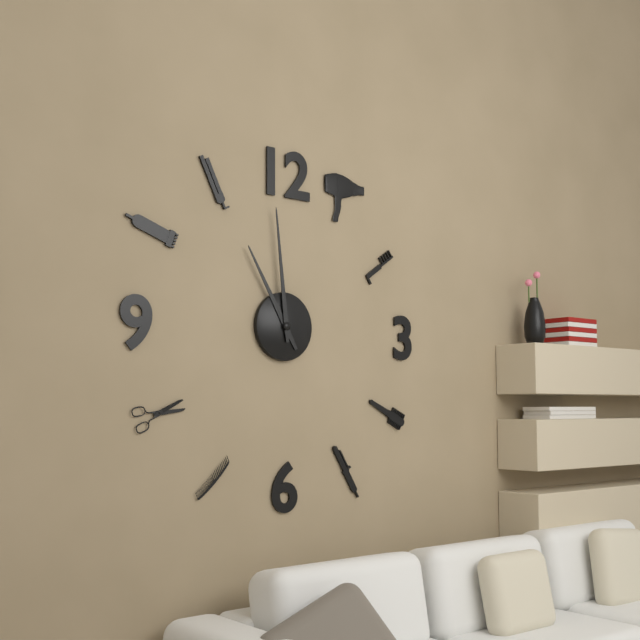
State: 10:59
